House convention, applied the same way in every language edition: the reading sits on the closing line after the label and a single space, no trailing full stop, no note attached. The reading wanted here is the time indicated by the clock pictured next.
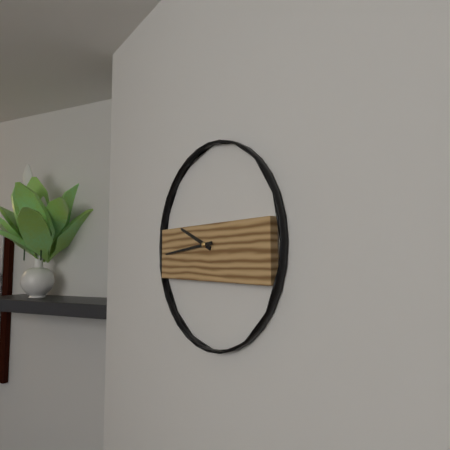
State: 9:44
